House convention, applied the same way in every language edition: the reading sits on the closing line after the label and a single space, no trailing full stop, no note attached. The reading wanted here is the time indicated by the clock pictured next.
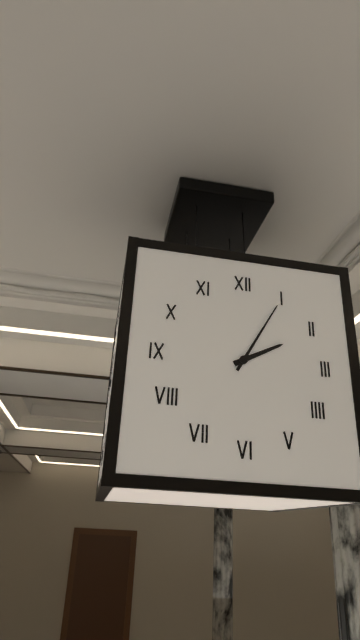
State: 2:05
